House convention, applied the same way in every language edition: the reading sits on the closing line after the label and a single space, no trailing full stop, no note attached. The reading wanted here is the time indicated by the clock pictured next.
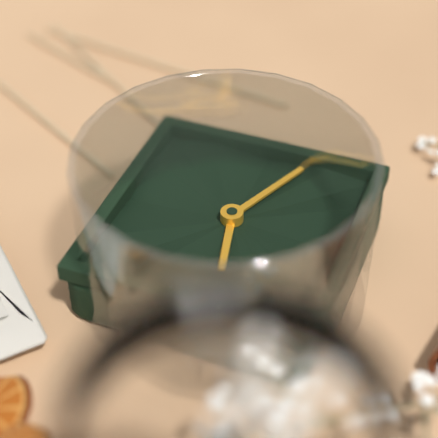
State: 11:34
